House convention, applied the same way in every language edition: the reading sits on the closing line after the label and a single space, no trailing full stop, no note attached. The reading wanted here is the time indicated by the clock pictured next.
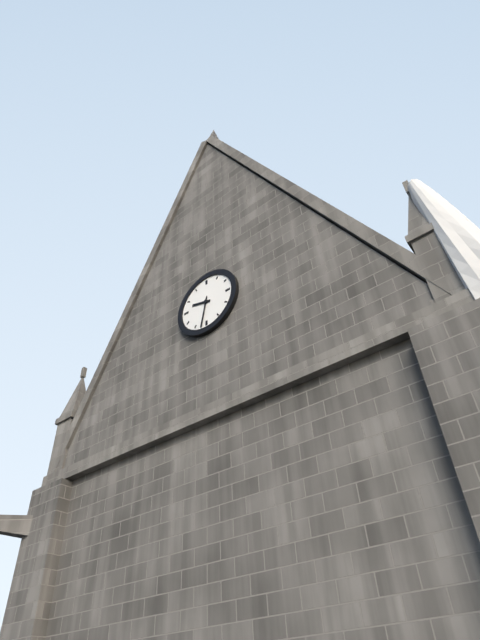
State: 9:32
